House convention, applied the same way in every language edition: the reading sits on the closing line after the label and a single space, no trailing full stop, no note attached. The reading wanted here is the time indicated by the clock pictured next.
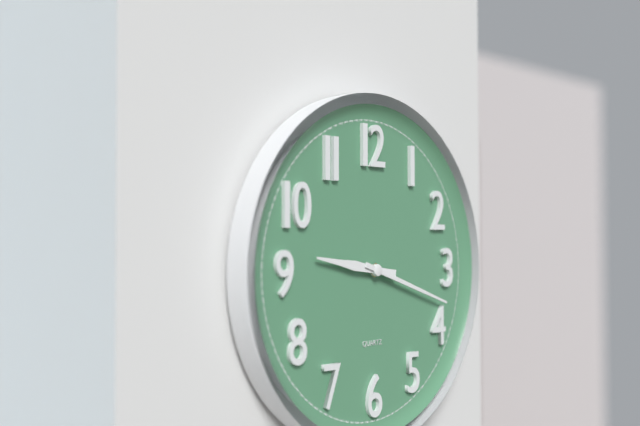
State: 9:18
